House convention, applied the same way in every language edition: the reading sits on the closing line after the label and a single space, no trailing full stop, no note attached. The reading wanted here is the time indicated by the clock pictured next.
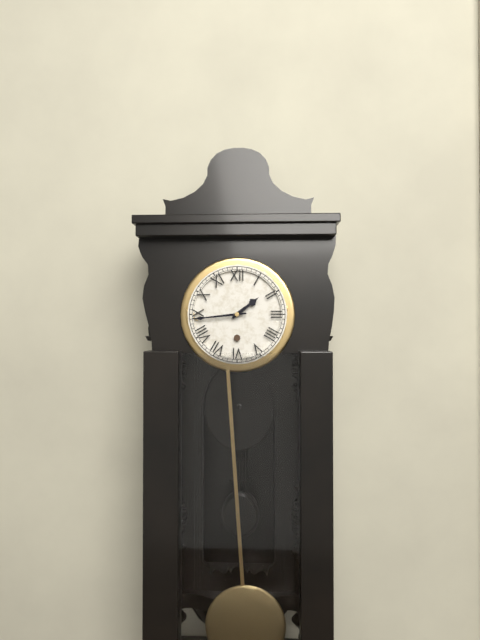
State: 1:44
